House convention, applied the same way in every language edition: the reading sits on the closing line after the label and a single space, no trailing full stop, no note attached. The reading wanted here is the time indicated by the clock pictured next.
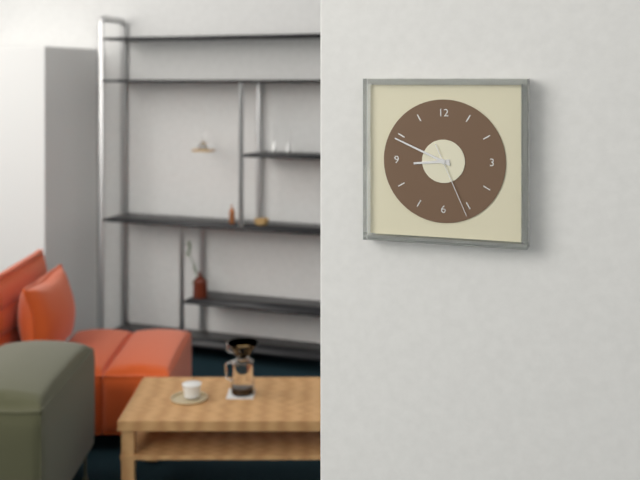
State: 8:49:26
